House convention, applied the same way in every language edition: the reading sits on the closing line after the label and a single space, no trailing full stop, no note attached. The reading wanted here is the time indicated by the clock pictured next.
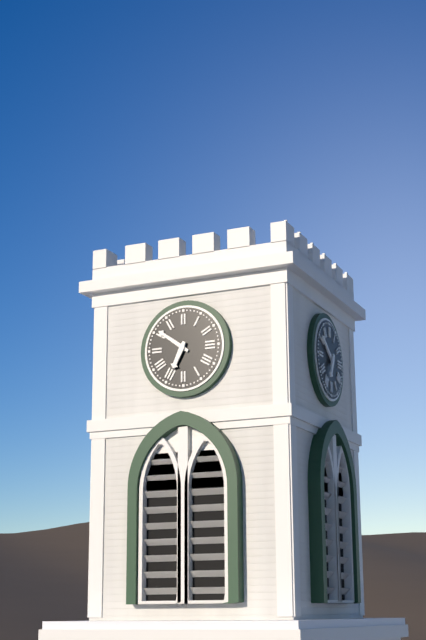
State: 6:51
